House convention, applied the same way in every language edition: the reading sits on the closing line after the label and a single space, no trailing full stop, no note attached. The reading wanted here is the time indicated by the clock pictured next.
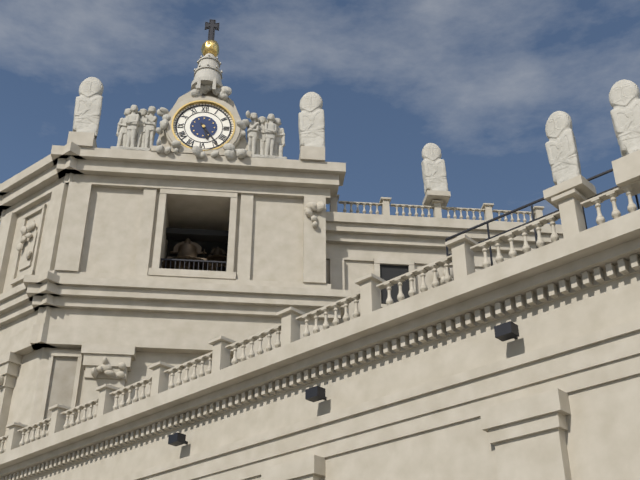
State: 5:24
